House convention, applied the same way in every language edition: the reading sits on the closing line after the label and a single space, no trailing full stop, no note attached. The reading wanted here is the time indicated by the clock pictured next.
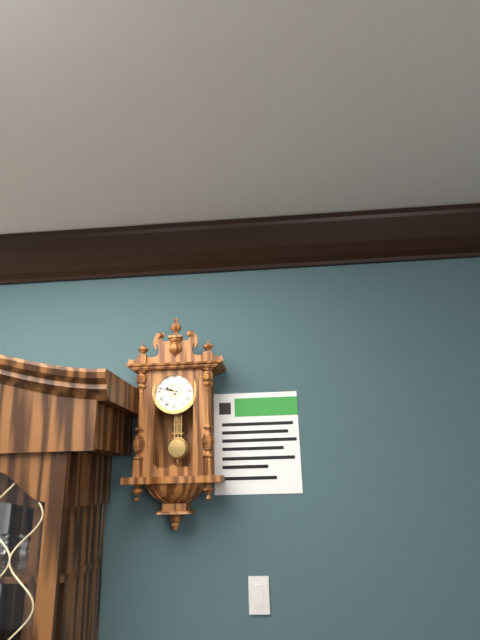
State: 9:47
